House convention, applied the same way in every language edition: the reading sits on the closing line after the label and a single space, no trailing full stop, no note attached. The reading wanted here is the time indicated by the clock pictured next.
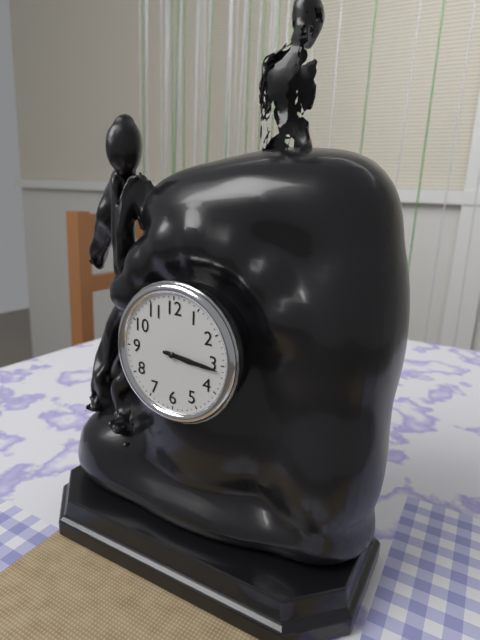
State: 3:16
